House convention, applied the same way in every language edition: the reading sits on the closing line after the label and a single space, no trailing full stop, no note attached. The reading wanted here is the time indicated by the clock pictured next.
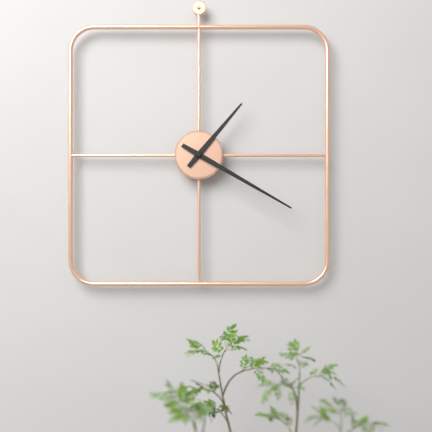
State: 1:20
